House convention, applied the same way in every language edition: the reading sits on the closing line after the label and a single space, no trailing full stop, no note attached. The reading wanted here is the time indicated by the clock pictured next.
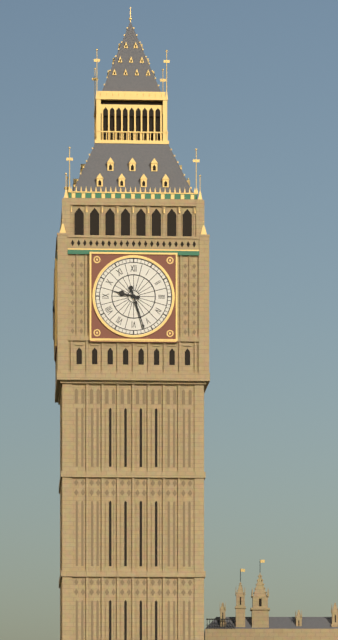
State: 9:27
